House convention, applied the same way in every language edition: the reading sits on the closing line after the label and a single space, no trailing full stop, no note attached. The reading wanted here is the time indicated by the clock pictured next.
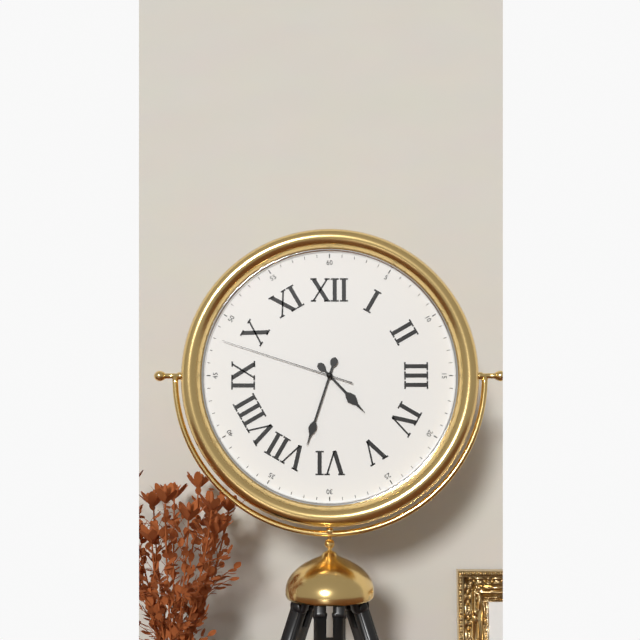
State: 4:33:48
